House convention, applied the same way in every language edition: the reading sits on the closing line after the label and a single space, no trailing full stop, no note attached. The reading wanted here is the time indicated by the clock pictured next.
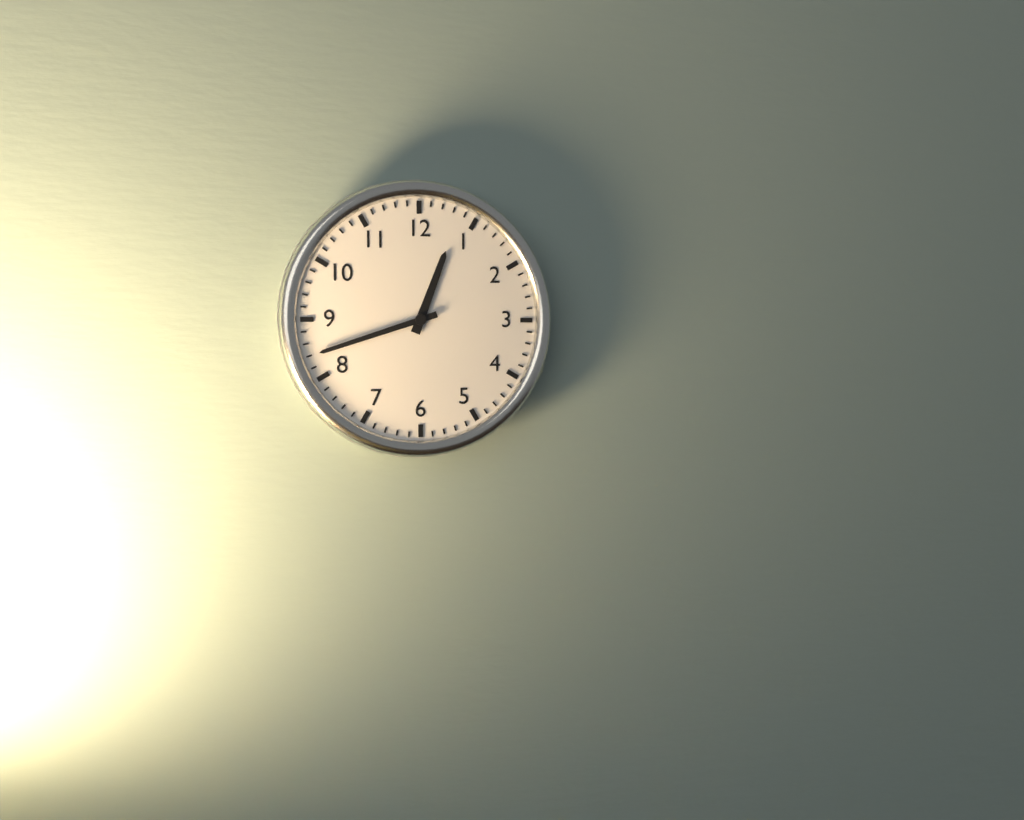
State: 12:42
